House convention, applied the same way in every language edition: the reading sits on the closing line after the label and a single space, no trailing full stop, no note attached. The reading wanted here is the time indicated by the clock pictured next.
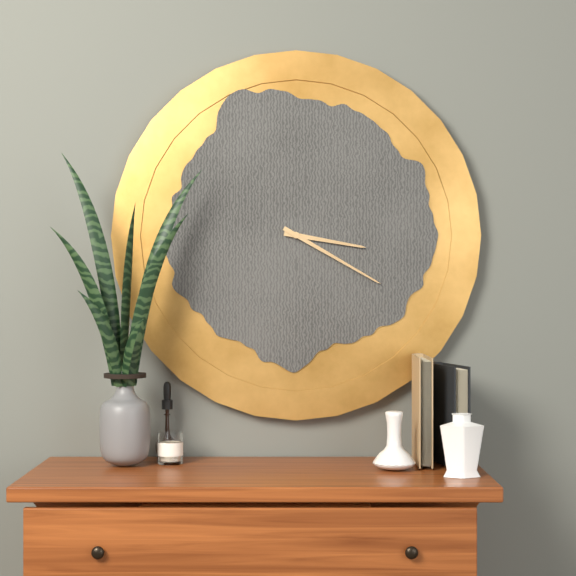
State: 3:20
